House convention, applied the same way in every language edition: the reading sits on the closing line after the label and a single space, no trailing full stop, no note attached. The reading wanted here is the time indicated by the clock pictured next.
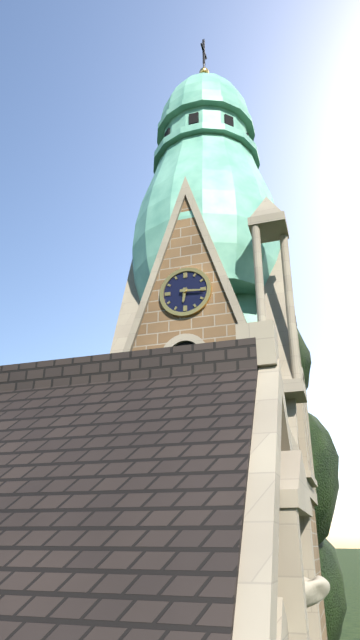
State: 6:16
